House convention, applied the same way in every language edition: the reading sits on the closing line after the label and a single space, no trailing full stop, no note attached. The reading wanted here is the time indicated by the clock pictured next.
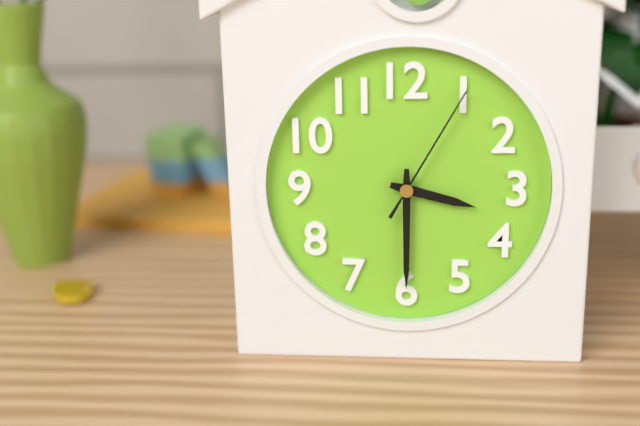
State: 3:30:05
